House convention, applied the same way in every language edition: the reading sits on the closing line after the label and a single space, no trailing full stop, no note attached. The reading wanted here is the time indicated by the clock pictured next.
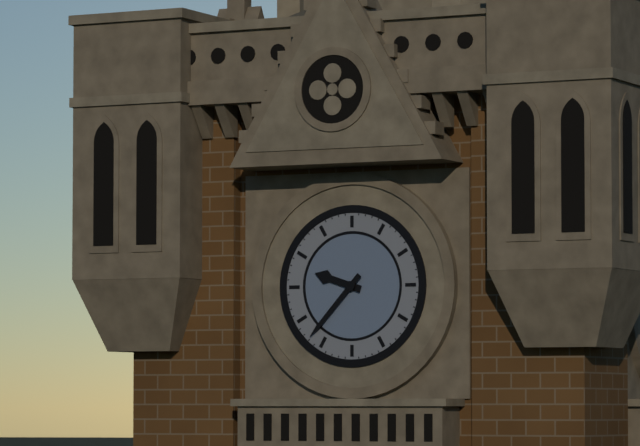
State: 9:37
